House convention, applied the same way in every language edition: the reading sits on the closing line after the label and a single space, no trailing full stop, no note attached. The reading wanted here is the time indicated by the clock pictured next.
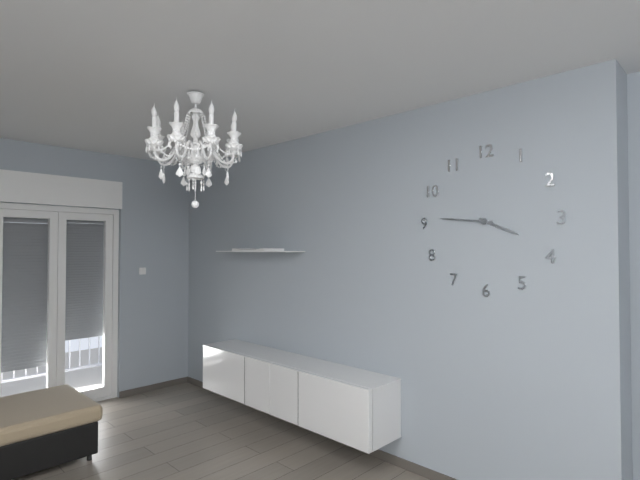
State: 3:46
